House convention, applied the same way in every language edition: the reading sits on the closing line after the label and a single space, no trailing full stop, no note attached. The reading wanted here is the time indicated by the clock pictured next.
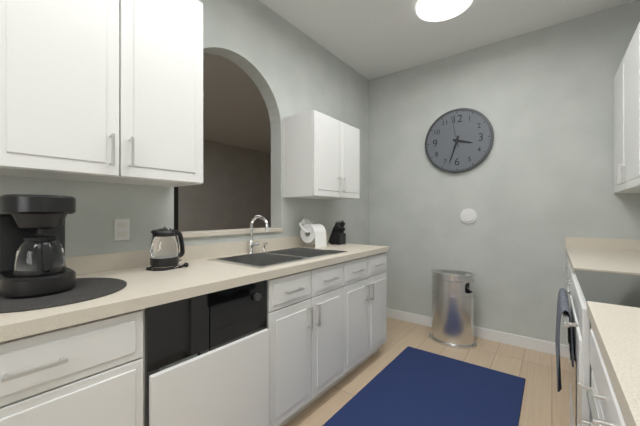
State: 3:33
